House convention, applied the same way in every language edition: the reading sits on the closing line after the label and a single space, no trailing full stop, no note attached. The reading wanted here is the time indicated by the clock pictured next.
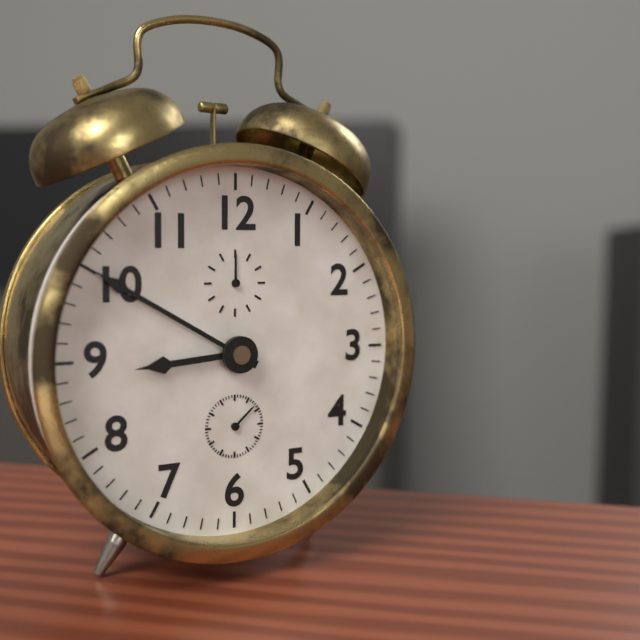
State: 8:50
